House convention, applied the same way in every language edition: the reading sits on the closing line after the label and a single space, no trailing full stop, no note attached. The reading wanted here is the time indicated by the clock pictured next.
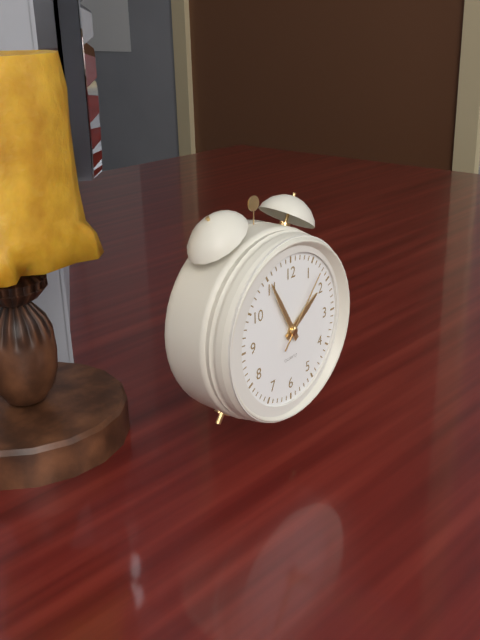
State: 1:55:07
